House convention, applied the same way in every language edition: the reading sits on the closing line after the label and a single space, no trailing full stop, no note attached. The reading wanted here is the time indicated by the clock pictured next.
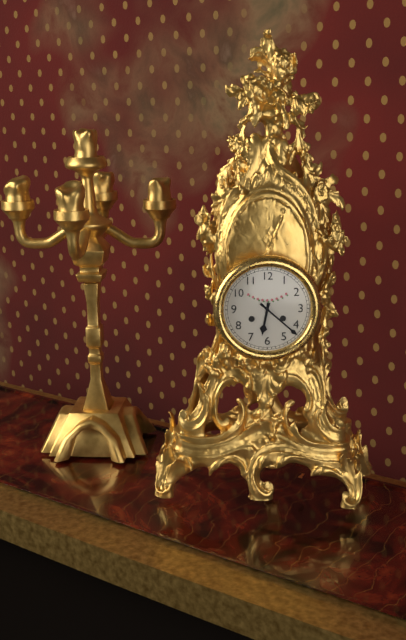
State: 6:22
